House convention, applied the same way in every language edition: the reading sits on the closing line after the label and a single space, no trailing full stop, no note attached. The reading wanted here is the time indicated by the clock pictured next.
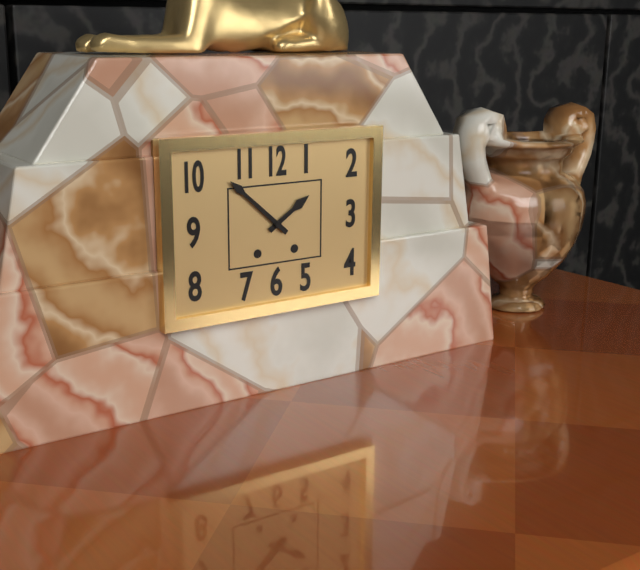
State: 1:52
